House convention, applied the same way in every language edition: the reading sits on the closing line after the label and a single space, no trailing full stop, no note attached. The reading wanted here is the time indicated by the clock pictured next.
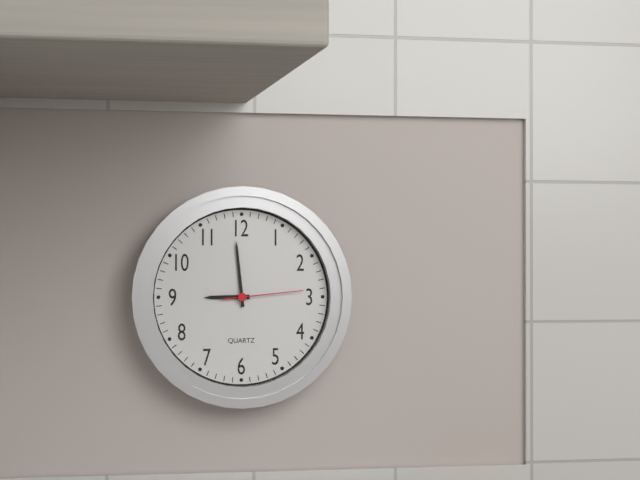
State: 8:59:14
